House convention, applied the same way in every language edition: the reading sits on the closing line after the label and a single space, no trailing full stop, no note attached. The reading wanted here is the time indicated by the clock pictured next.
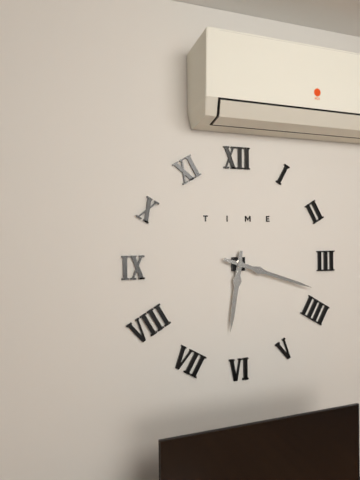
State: 6:18
